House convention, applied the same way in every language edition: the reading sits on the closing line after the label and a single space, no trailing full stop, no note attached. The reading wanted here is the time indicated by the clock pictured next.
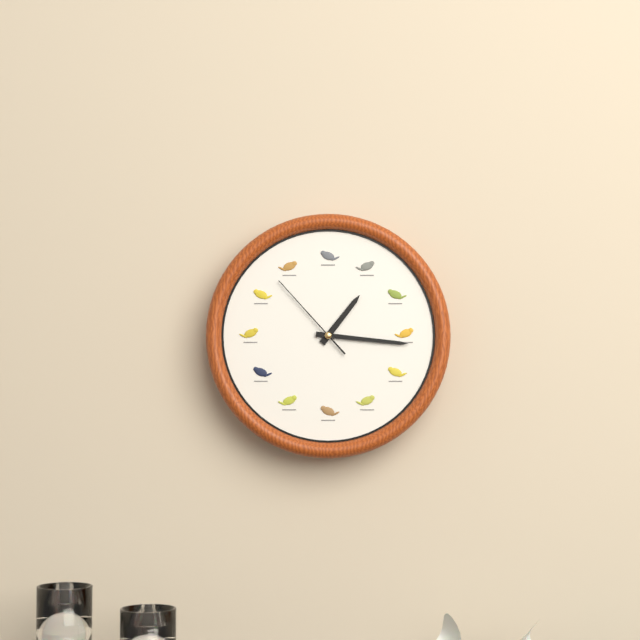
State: 1:16:53
